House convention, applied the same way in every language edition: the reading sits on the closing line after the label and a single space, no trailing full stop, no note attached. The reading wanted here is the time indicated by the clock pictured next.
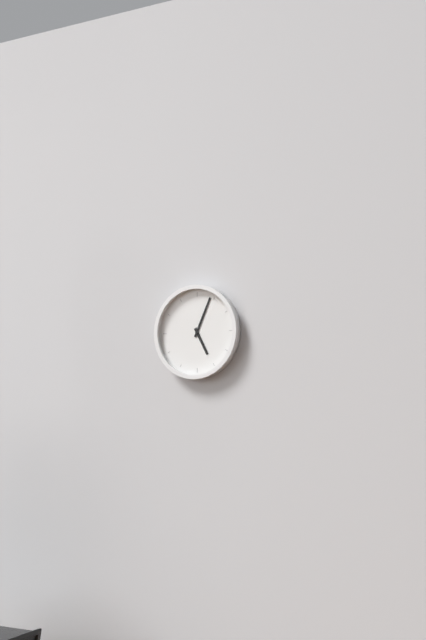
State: 5:04
